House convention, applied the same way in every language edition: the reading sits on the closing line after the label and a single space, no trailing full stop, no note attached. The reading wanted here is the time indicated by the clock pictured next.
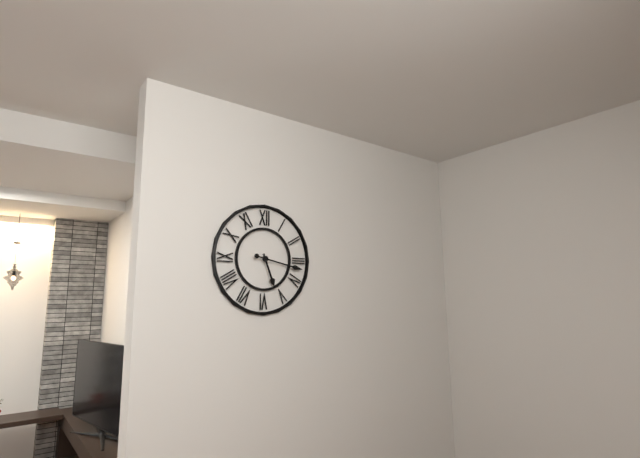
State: 5:17
